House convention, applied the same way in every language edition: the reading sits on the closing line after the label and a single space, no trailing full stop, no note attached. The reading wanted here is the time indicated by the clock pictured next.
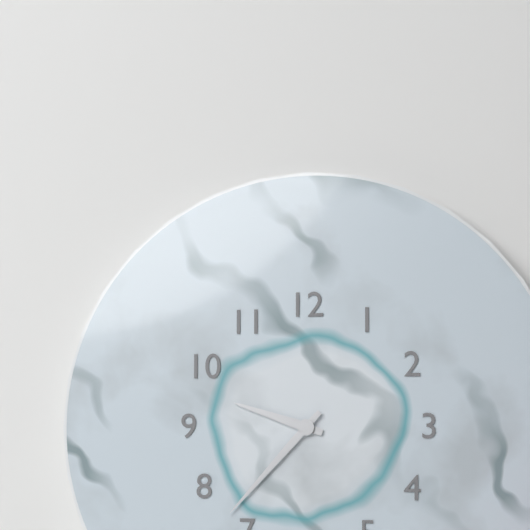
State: 9:37
